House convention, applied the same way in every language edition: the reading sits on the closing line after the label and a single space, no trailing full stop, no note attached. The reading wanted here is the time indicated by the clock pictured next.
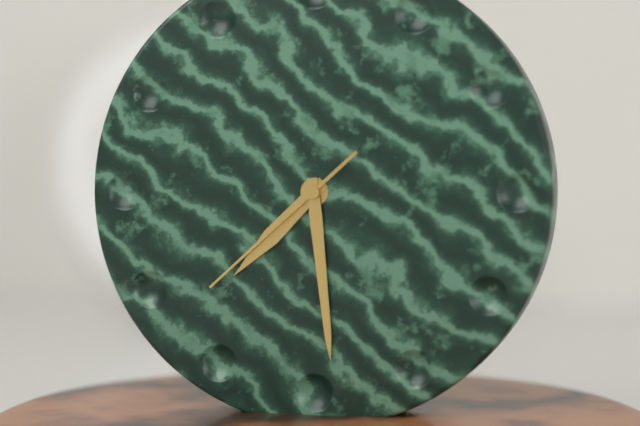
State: 7:29:38
